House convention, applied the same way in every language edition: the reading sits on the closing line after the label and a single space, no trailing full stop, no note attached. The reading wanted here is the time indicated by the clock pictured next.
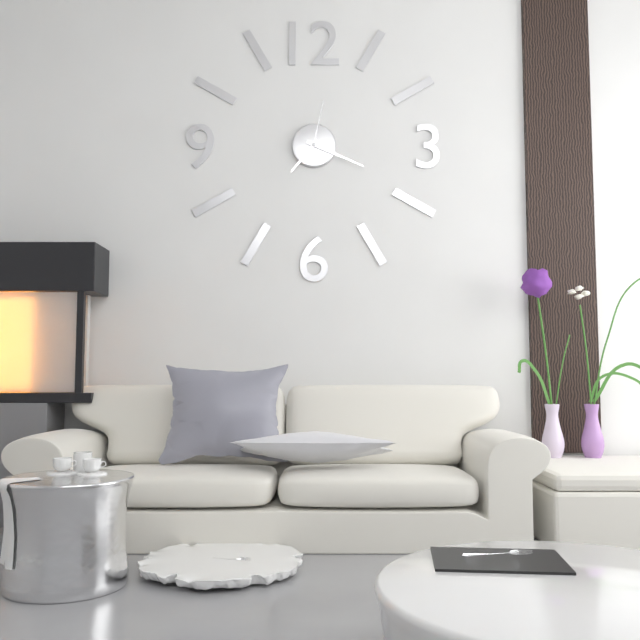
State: 7:19:02
